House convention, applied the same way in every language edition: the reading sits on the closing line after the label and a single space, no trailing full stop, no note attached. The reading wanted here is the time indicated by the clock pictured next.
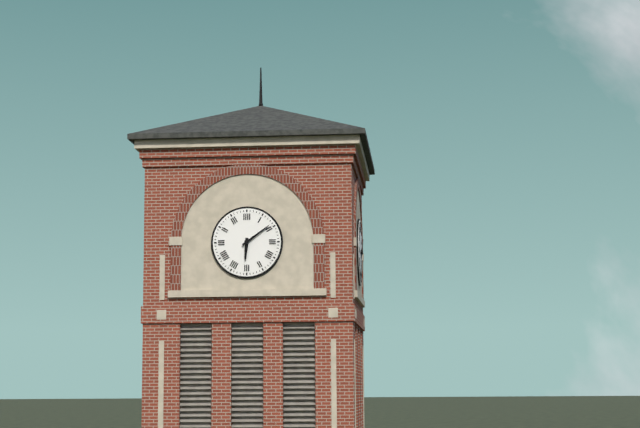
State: 6:09
